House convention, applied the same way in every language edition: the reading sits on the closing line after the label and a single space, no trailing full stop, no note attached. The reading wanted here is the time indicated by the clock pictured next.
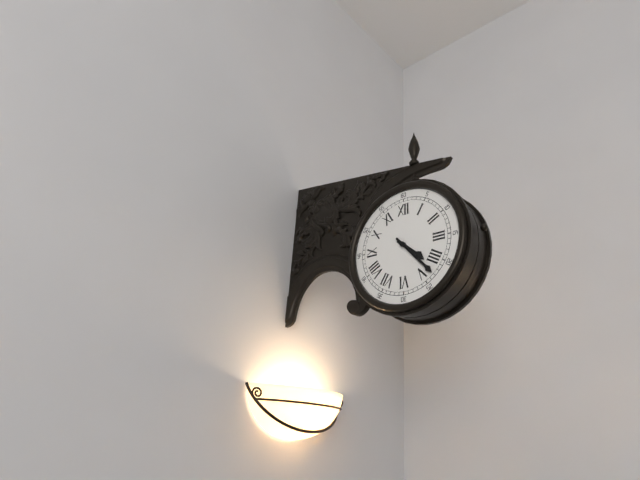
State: 4:23
